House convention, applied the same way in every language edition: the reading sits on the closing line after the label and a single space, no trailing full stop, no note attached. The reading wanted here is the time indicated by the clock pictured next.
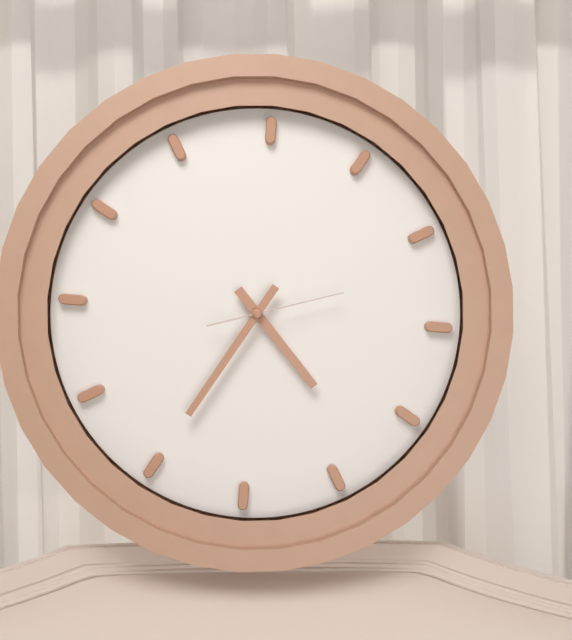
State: 4:35:12
